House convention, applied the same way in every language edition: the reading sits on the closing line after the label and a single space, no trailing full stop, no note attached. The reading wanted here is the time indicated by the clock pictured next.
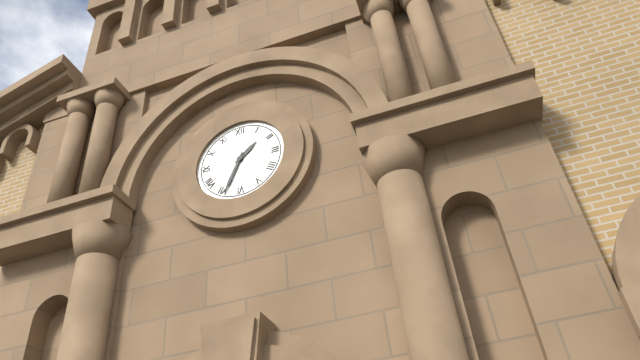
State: 1:34
